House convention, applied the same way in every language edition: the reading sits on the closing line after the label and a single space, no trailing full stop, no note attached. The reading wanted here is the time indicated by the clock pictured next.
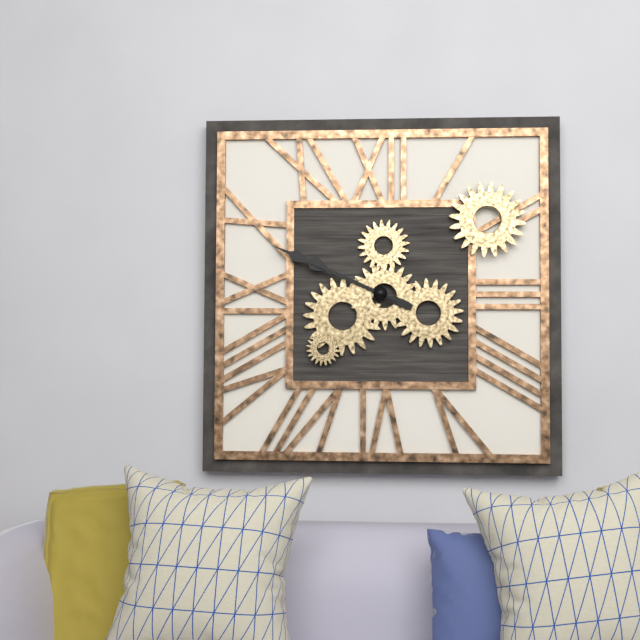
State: 9:49
